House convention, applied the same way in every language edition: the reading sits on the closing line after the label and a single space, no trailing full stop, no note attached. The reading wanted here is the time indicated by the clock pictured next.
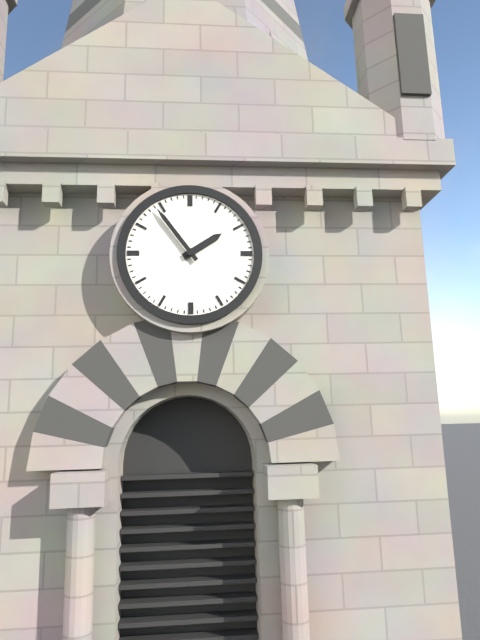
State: 1:54
